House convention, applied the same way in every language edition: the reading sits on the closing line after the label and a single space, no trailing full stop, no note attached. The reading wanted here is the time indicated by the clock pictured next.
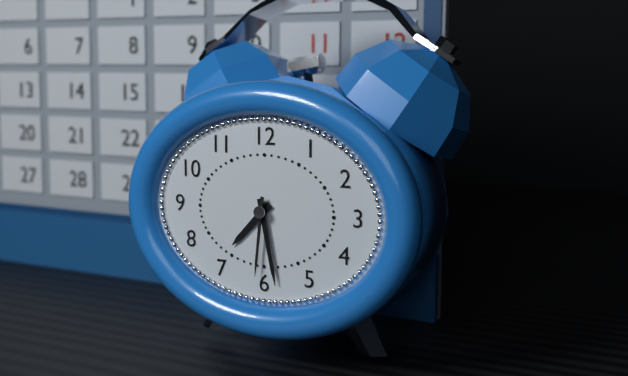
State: 7:28:31
